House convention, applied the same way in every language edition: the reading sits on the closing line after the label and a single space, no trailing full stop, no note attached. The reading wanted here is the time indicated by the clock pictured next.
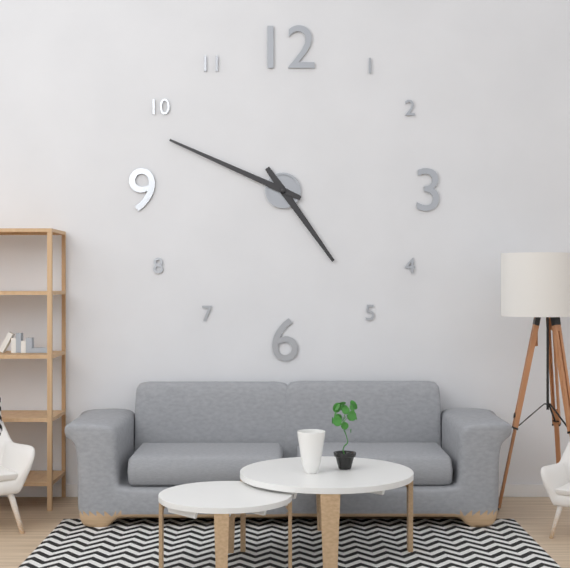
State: 4:49
